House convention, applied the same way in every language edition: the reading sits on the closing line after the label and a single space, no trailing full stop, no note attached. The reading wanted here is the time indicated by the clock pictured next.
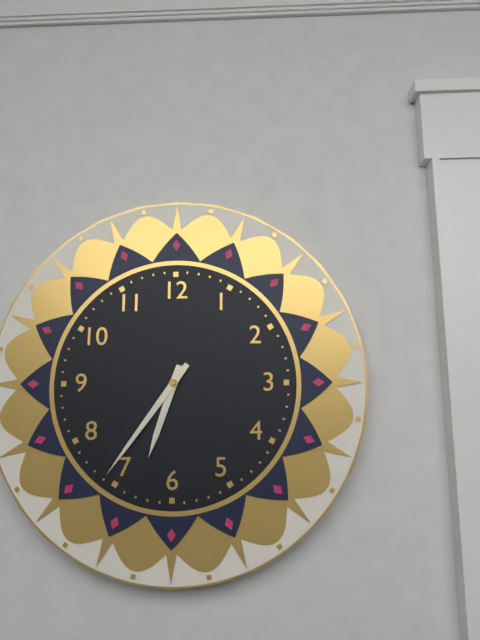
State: 6:36
